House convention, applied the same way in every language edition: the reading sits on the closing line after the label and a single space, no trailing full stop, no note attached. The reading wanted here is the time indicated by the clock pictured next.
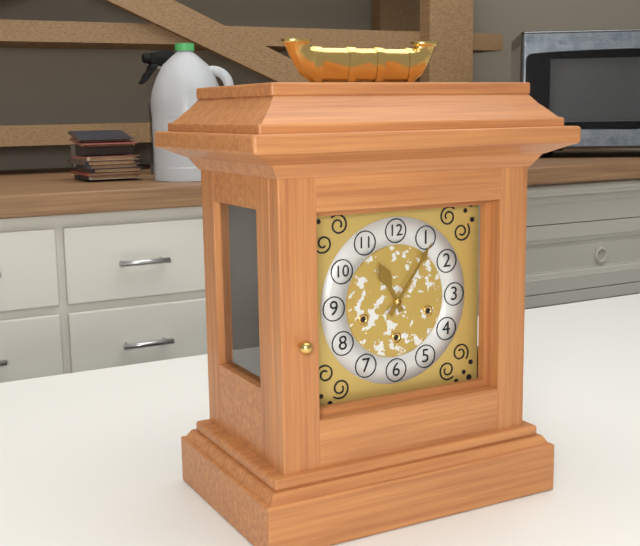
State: 11:06
